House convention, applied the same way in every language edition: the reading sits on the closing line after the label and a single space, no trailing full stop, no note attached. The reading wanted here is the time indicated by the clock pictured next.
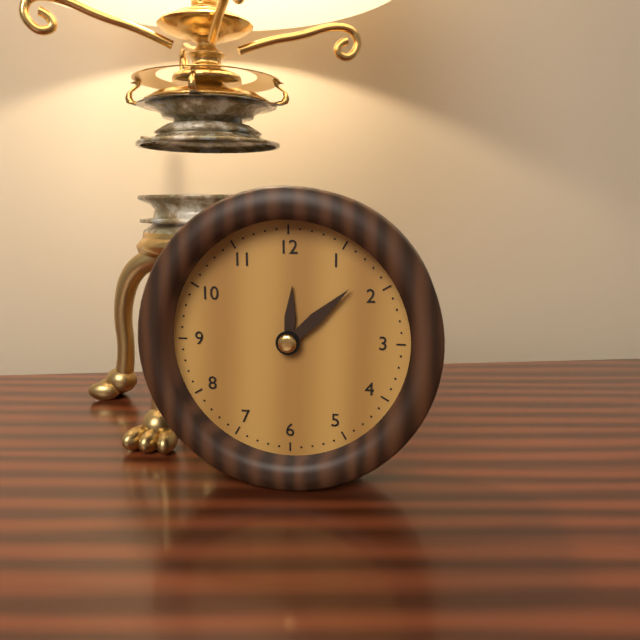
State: 12:08
